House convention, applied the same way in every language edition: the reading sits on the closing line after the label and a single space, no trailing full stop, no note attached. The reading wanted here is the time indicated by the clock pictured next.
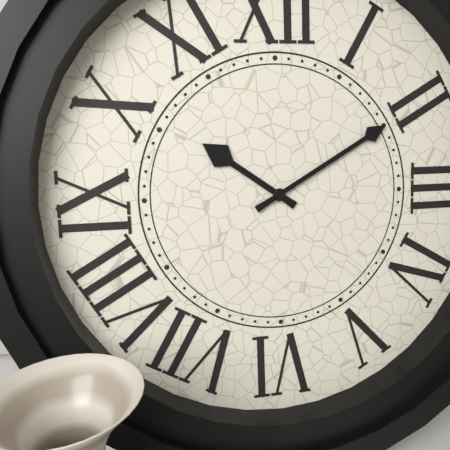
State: 10:10
